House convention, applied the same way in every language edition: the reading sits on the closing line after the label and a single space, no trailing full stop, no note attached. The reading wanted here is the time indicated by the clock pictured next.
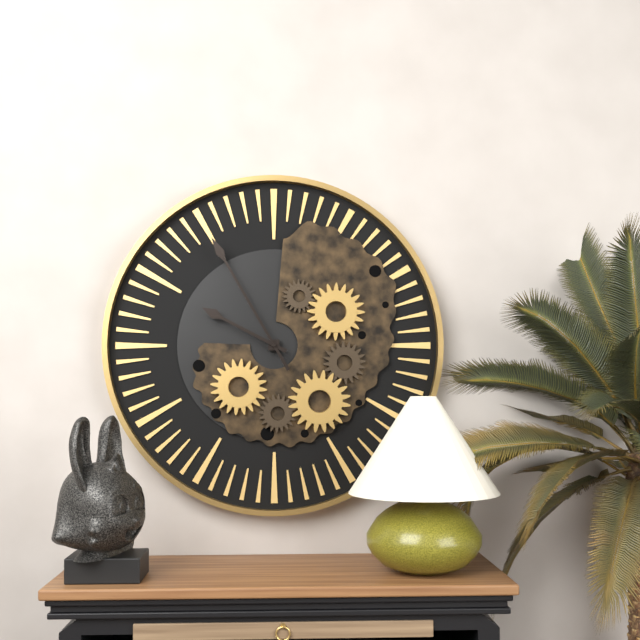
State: 9:55
